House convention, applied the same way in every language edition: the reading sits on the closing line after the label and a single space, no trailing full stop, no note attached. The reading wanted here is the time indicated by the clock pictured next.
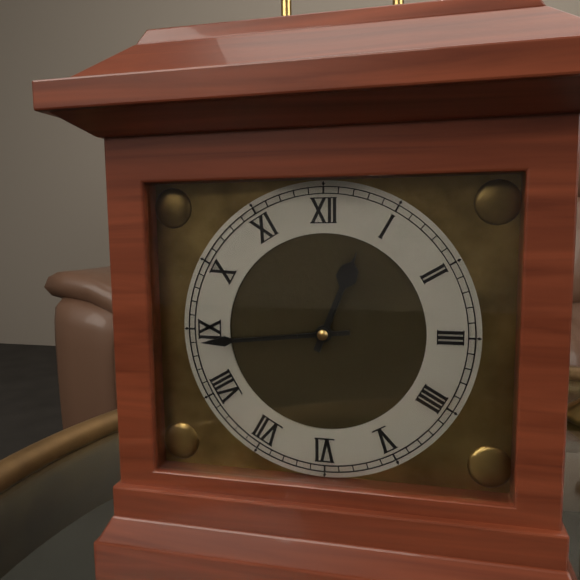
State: 12:44
